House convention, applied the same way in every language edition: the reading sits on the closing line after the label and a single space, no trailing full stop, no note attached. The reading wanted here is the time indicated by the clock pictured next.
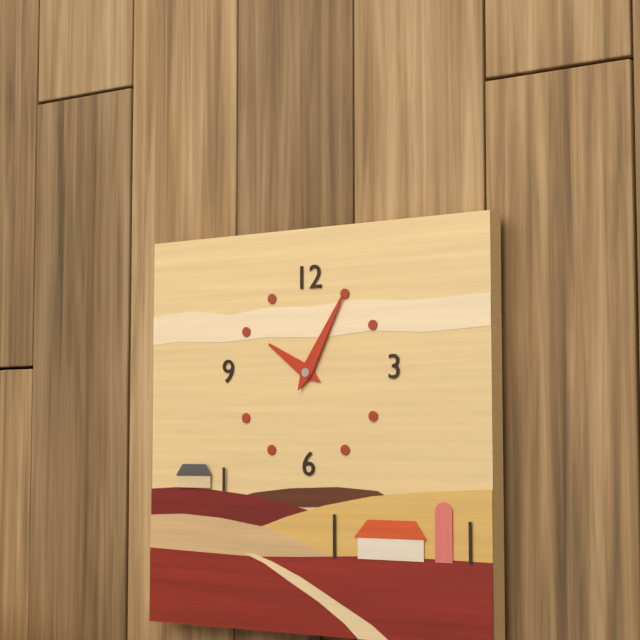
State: 10:05
